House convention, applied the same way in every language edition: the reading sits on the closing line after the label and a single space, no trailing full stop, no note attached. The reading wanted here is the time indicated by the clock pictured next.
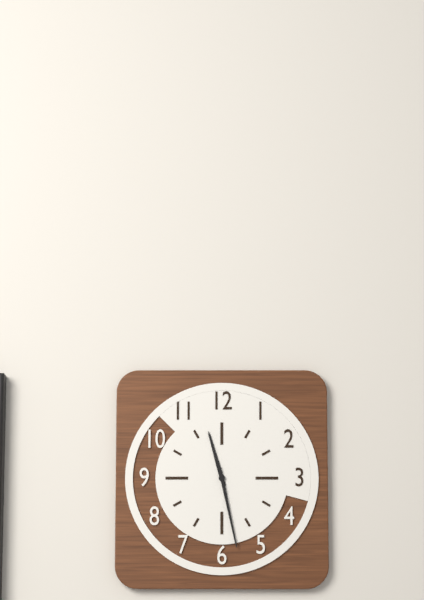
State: 11:28
